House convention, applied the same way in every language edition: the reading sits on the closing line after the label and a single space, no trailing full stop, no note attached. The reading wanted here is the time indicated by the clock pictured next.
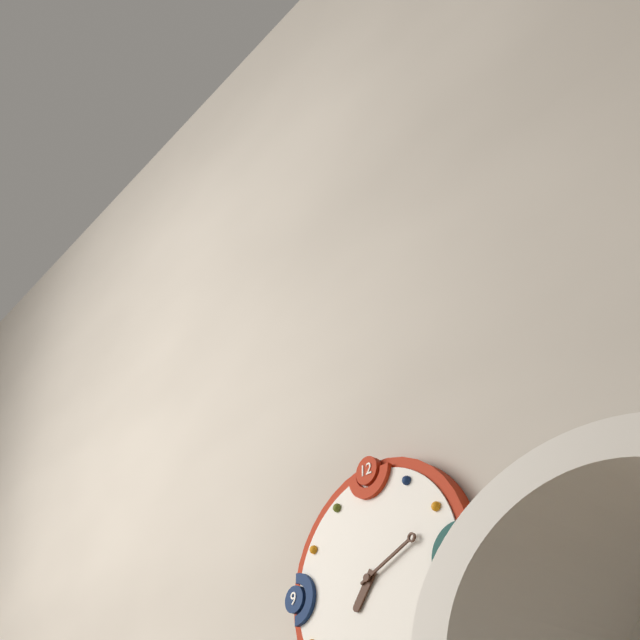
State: 7:11
